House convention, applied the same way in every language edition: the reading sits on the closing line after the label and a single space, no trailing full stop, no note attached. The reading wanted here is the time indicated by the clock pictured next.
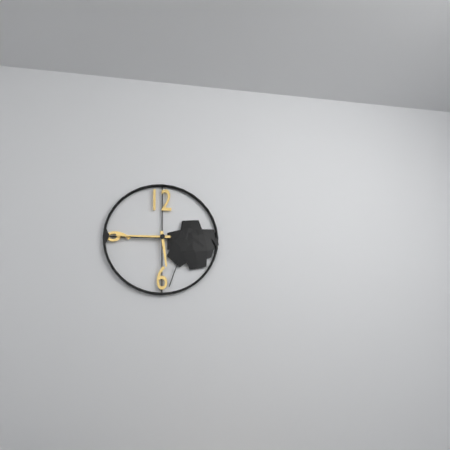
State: 5:45
